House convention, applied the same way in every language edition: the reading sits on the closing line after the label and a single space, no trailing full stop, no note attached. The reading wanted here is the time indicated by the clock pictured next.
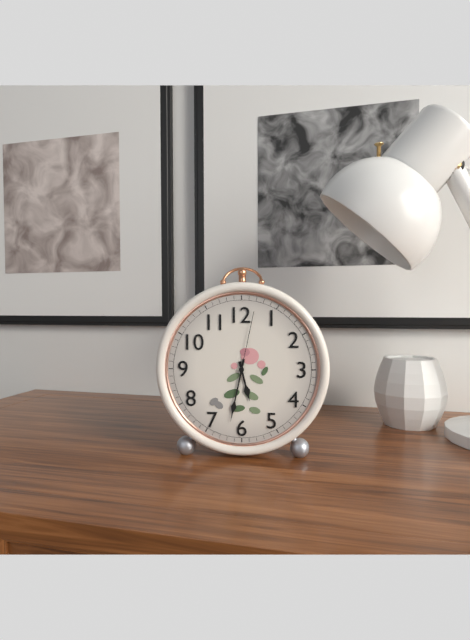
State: 5:32:02
